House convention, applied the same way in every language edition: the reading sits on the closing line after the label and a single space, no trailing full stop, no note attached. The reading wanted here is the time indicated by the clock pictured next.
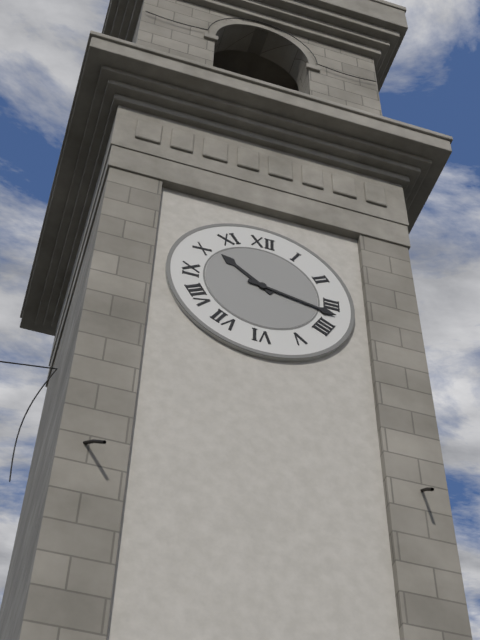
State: 10:17
